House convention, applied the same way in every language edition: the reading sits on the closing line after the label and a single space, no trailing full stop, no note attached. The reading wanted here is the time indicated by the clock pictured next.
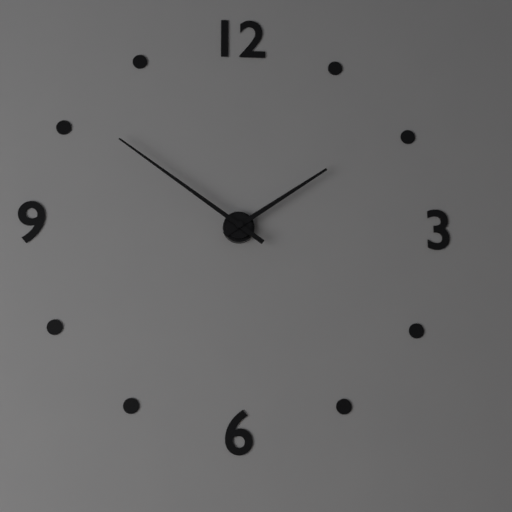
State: 1:51
